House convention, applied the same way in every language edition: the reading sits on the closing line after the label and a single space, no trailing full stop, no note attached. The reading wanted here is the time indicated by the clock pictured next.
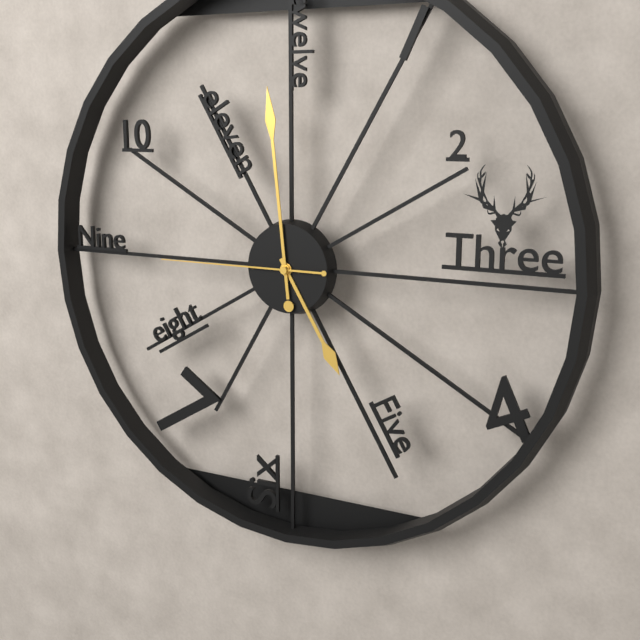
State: 4:59:45
